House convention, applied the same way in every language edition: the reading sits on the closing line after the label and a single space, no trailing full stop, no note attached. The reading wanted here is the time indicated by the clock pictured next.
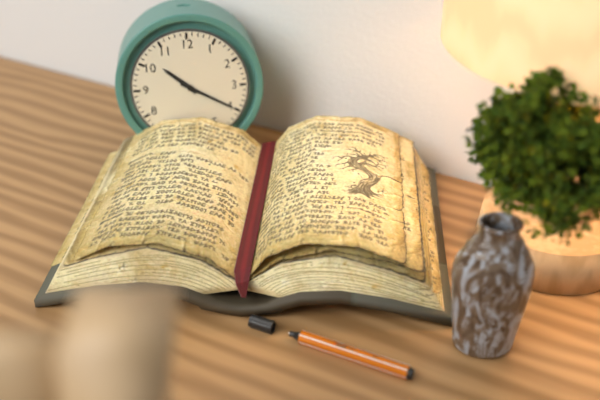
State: 10:20
